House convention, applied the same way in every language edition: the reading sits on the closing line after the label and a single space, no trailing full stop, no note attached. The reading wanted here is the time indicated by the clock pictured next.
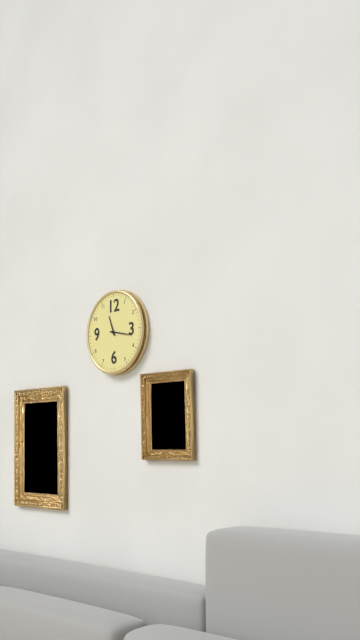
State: 11:17
